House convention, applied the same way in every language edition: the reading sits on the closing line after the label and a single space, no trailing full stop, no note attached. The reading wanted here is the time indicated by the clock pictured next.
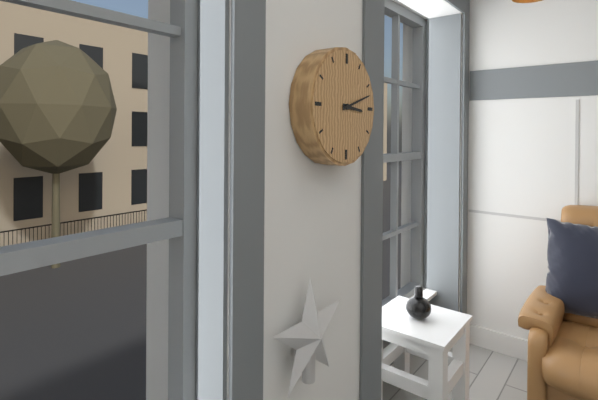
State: 3:12
